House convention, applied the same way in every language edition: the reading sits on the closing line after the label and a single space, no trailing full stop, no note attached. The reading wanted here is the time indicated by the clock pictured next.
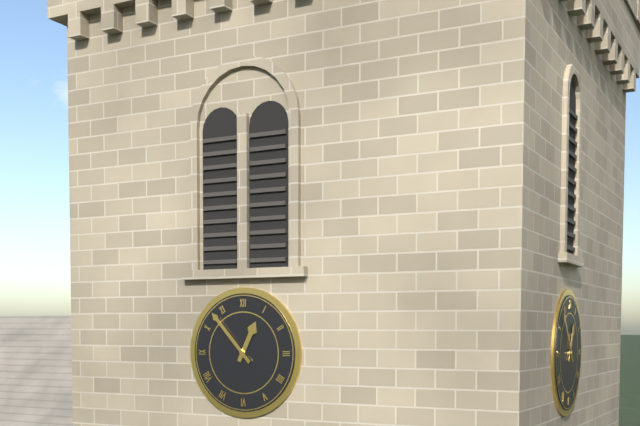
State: 12:53
